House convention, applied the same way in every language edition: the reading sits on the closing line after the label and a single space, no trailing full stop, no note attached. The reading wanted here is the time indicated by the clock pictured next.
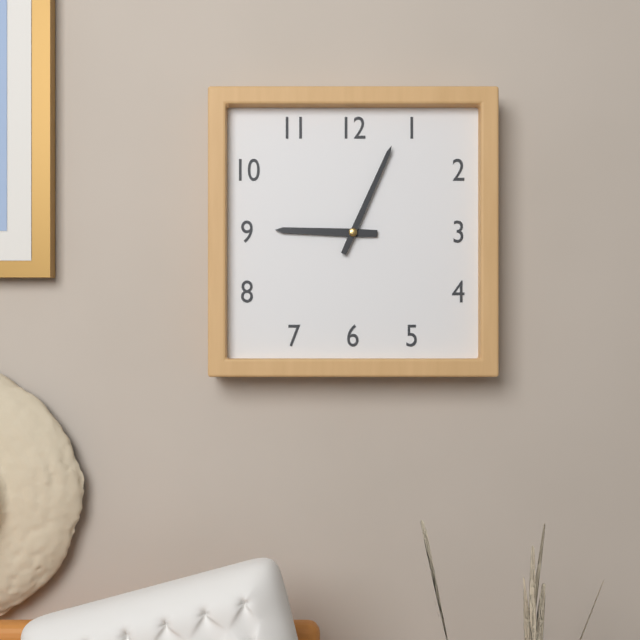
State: 9:04
